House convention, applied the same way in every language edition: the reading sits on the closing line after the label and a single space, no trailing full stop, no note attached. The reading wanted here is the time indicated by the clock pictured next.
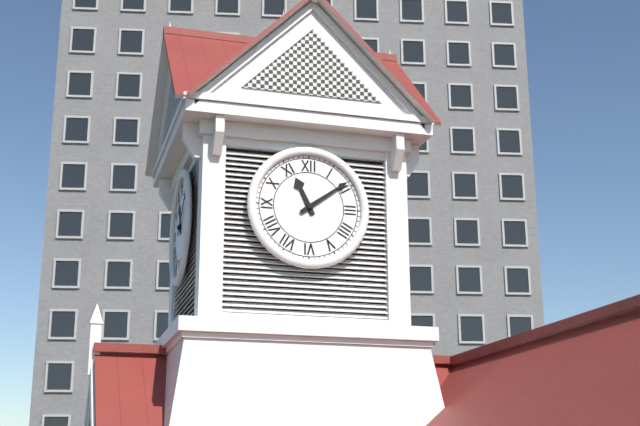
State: 11:09
